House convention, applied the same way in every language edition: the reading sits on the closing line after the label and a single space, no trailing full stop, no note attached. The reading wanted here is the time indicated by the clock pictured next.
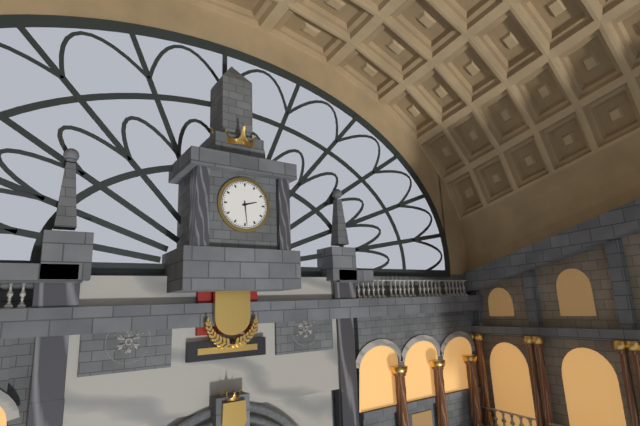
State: 2:29
